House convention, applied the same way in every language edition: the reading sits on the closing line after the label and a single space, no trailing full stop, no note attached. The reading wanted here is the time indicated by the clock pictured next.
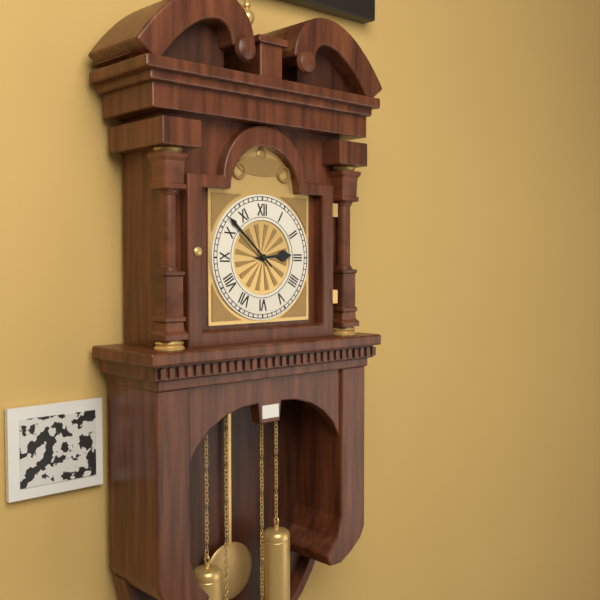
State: 2:52
